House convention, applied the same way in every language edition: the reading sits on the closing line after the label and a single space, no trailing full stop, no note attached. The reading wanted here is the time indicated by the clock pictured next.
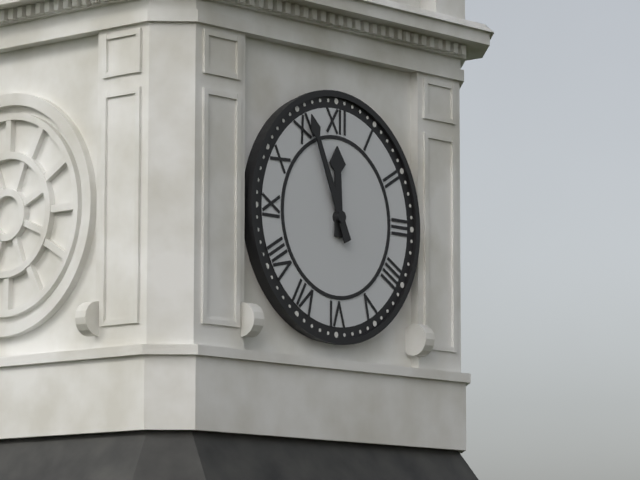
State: 11:56
